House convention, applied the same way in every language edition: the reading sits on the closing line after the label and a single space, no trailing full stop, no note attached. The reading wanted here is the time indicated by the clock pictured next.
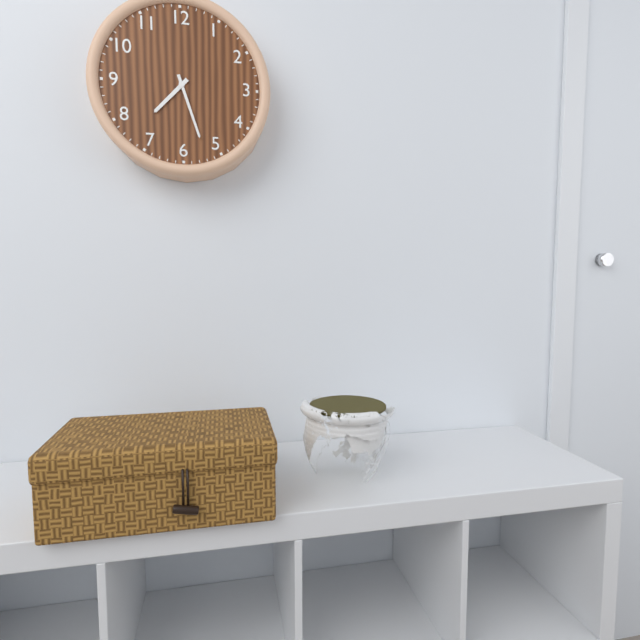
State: 7:27
